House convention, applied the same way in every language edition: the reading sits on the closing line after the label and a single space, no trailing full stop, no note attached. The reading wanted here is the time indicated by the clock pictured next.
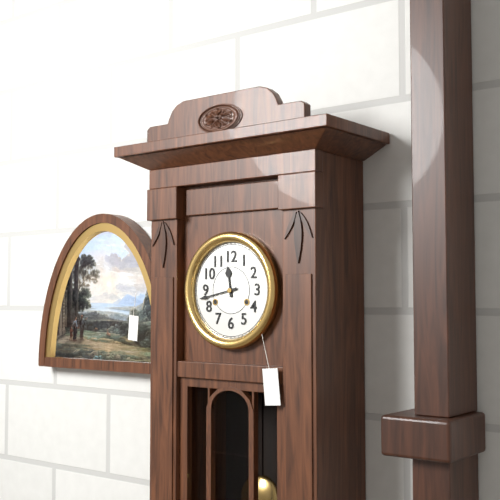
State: 11:43
